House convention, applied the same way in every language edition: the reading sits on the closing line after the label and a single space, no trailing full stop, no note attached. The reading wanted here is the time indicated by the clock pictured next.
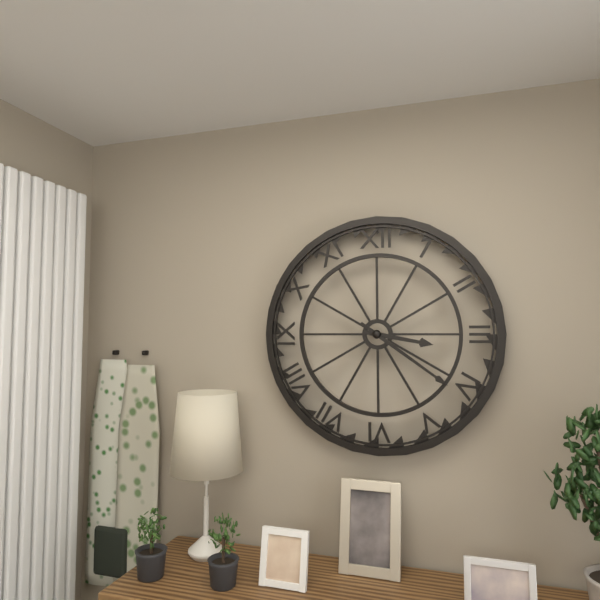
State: 3:21
